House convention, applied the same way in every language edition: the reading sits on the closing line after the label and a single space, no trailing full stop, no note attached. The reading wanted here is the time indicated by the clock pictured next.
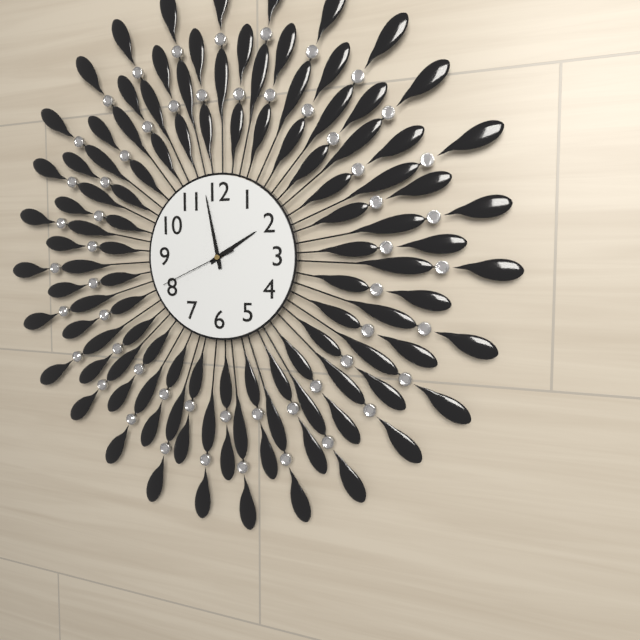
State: 1:58:41
